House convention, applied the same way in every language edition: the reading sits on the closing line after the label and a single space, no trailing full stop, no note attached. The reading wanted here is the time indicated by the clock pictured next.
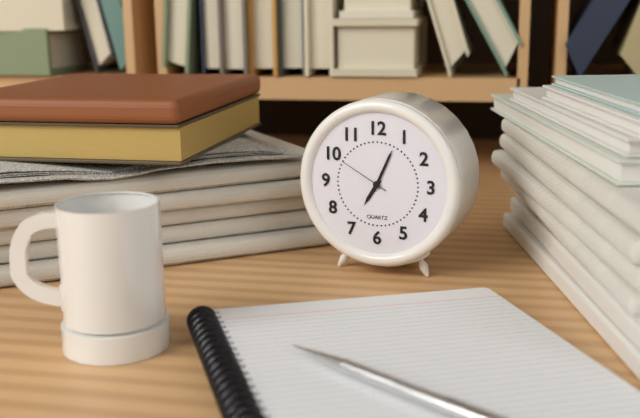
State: 7:04:50
